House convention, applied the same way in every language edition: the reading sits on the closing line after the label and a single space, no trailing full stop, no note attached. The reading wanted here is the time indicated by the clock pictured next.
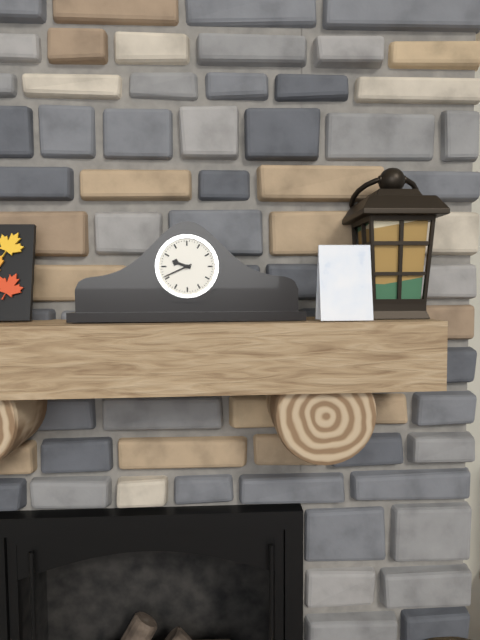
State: 9:41
